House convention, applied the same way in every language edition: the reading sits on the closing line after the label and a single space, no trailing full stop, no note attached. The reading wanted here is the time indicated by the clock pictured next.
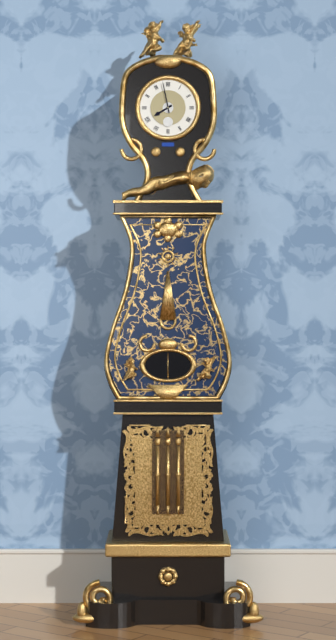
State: 7:58
